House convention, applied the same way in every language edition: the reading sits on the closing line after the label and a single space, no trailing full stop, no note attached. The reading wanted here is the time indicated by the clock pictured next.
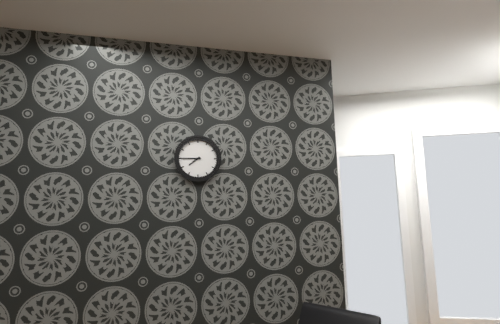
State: 7:45
